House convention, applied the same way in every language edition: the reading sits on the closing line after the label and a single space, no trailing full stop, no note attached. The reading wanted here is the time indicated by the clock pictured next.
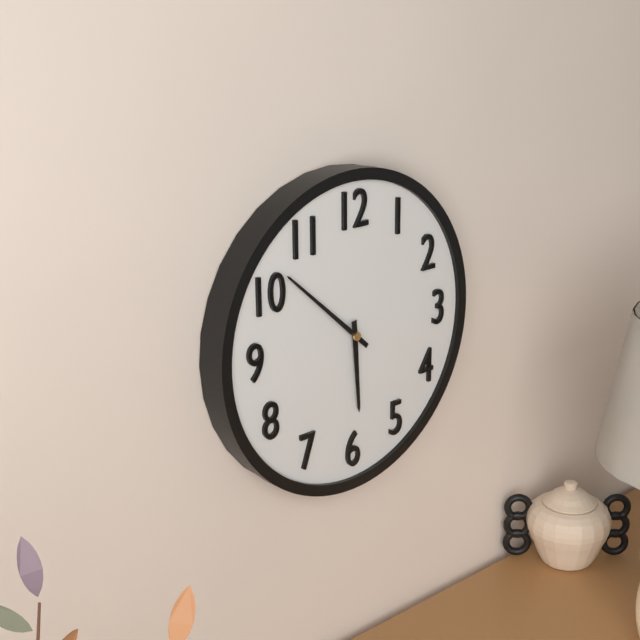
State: 5:52
